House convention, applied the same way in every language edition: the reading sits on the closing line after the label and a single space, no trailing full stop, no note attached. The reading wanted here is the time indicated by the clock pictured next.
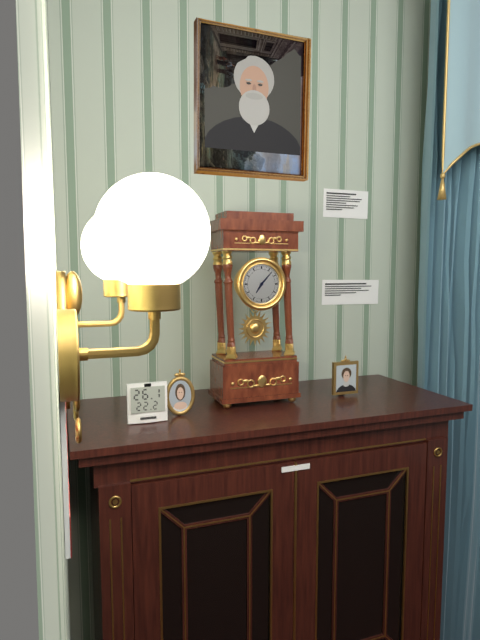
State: 7:07
